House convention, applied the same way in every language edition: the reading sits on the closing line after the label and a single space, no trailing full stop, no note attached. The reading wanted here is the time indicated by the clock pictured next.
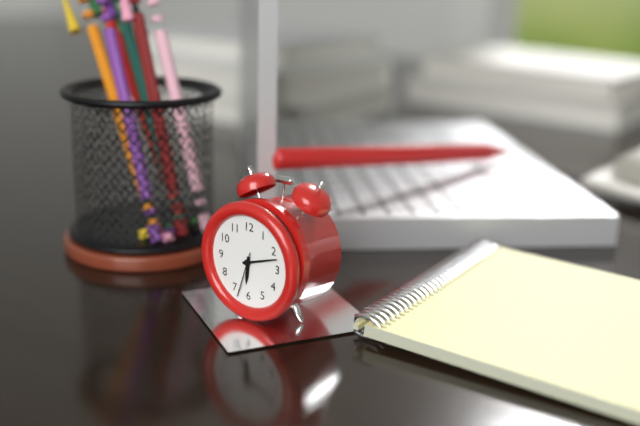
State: 6:12
